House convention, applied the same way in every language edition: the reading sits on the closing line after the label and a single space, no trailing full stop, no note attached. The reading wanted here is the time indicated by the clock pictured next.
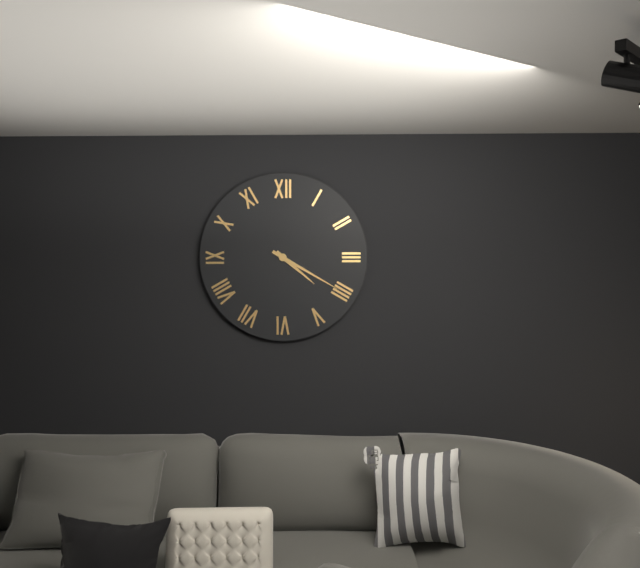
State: 4:20
